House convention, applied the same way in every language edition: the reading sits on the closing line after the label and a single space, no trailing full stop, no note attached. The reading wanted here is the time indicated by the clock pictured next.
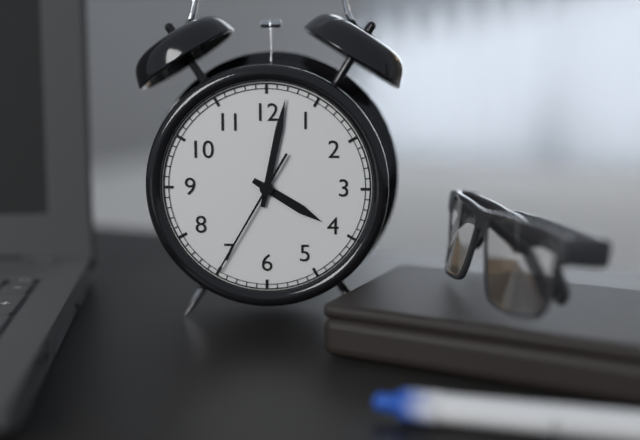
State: 4:02:35
